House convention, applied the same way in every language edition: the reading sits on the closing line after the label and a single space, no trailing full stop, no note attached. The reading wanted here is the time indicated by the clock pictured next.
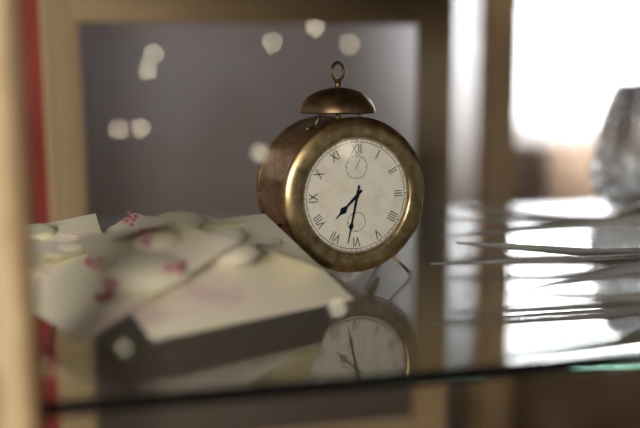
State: 7:32
